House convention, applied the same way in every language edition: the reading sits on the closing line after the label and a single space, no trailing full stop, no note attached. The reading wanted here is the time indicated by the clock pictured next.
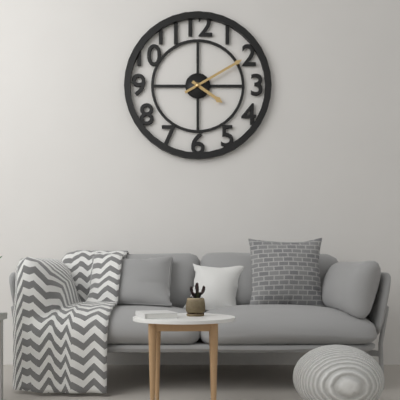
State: 4:10
